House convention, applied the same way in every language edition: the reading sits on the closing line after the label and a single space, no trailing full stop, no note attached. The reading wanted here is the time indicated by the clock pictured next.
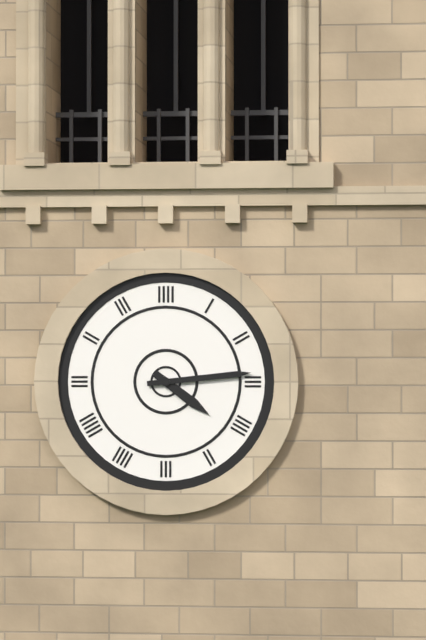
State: 4:14
